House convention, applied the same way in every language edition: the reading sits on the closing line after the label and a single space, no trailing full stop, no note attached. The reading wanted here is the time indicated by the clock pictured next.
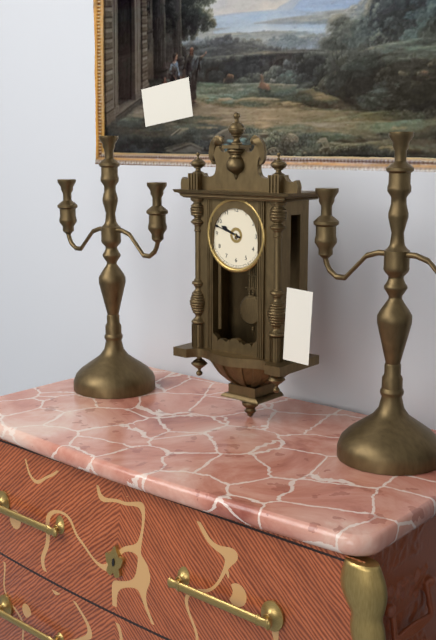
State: 9:48
